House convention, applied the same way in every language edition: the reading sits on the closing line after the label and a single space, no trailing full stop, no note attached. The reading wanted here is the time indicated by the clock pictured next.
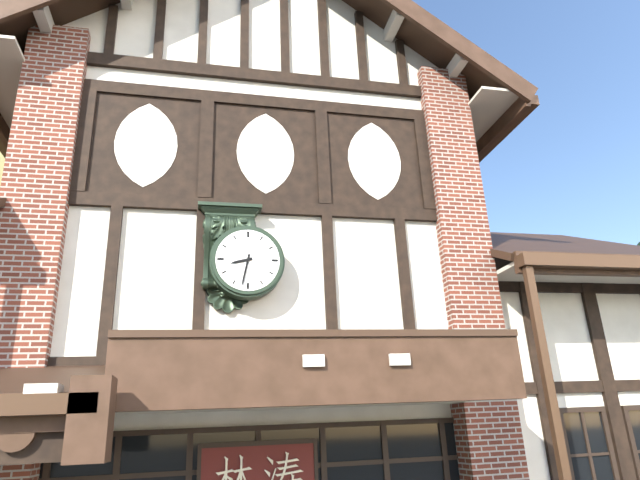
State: 8:32
